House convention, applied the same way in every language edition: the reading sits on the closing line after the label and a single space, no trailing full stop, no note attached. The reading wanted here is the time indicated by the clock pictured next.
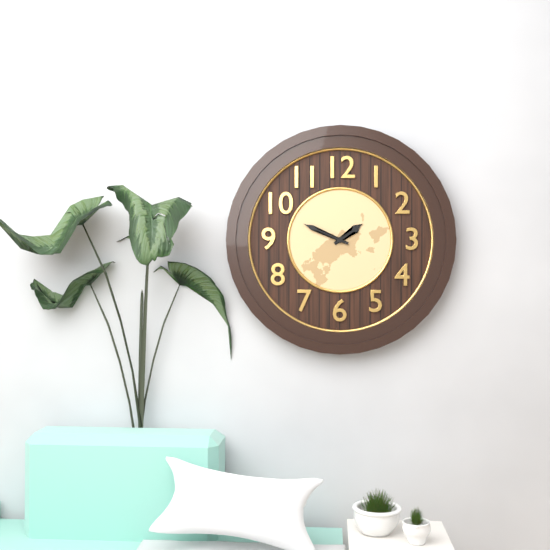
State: 1:49
